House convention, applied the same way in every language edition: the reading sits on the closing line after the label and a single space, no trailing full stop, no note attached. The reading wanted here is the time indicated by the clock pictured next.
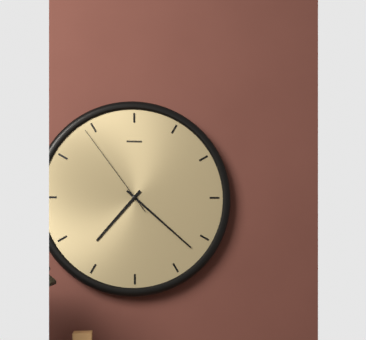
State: 7:22:54
